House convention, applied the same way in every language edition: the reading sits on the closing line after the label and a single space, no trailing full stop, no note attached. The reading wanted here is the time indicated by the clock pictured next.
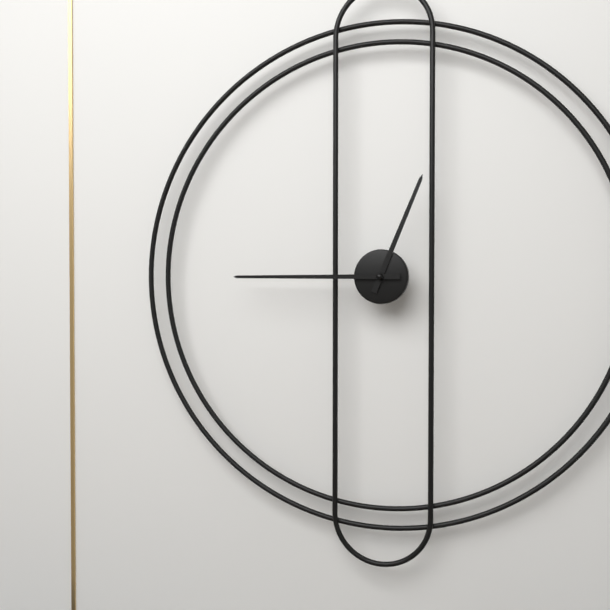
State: 12:45
